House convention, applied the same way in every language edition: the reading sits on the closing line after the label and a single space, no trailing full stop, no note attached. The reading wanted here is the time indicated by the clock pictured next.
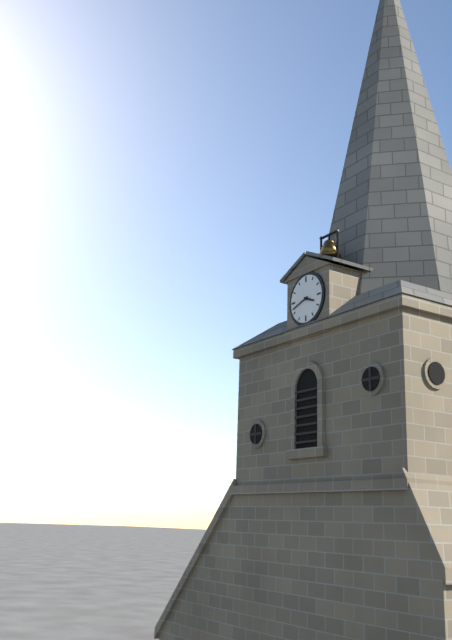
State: 3:42
